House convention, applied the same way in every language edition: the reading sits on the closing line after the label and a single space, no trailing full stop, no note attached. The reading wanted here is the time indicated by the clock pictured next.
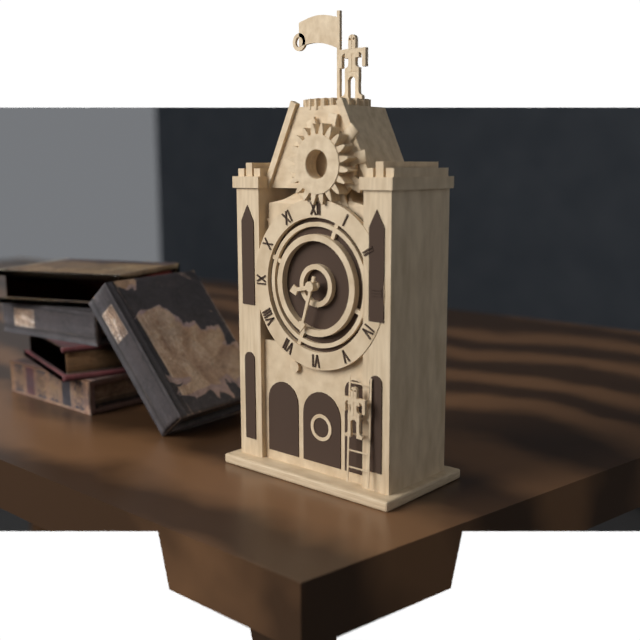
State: 8:33
